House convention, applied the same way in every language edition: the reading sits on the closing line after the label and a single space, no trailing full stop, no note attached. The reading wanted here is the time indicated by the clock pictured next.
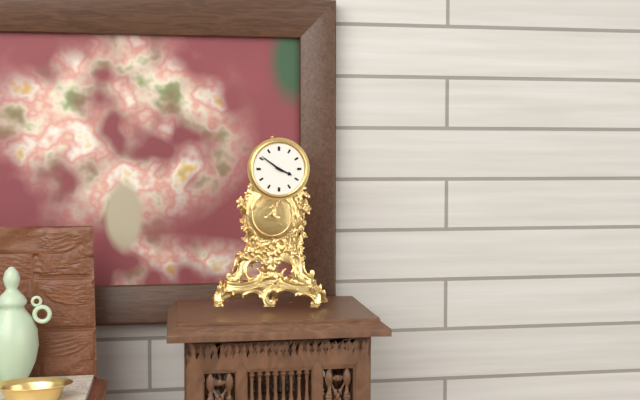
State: 3:51
